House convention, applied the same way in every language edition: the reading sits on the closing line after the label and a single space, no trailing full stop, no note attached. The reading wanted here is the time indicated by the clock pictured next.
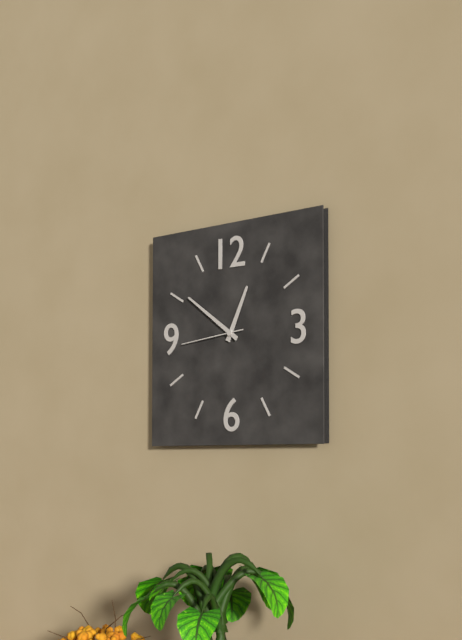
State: 12:51:44
